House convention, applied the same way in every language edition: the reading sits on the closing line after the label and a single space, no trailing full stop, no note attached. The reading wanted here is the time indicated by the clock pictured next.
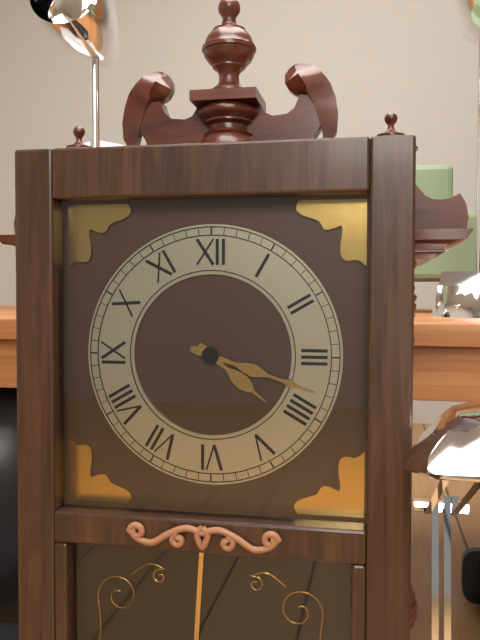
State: 4:18
